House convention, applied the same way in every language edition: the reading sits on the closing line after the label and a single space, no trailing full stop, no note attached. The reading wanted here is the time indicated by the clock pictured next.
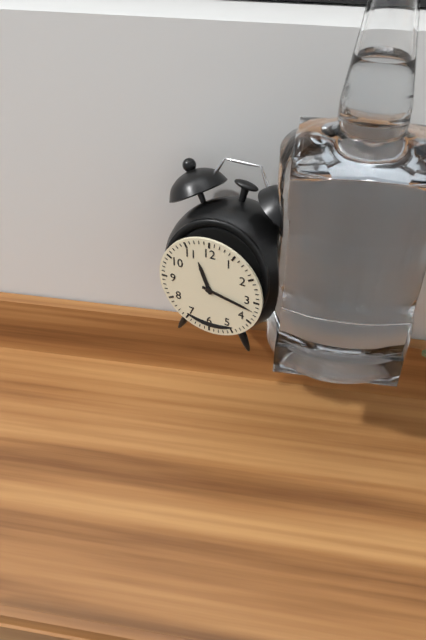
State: 11:17
